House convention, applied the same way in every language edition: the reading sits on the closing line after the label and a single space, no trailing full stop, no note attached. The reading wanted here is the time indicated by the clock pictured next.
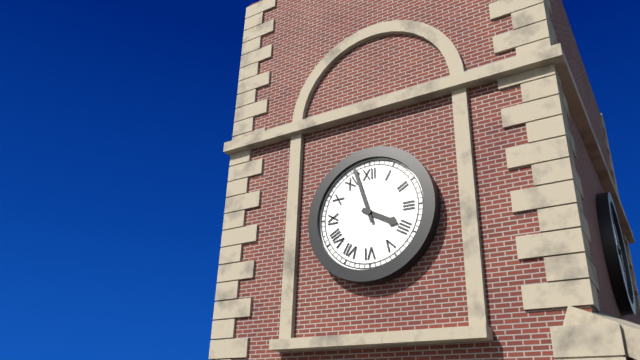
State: 3:57
